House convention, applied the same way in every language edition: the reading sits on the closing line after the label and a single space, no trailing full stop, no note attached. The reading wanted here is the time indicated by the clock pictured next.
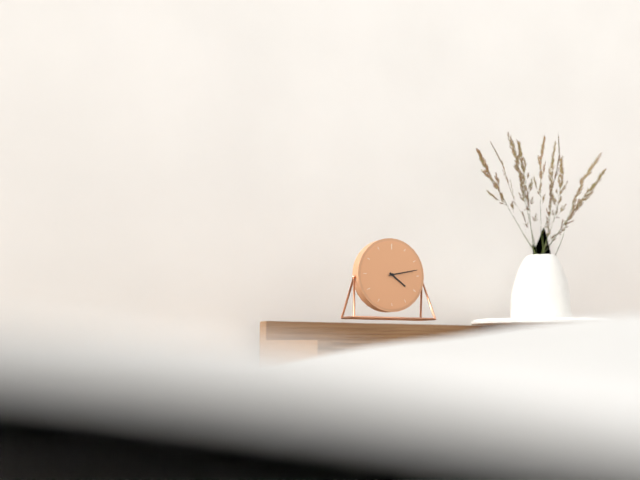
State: 4:13
